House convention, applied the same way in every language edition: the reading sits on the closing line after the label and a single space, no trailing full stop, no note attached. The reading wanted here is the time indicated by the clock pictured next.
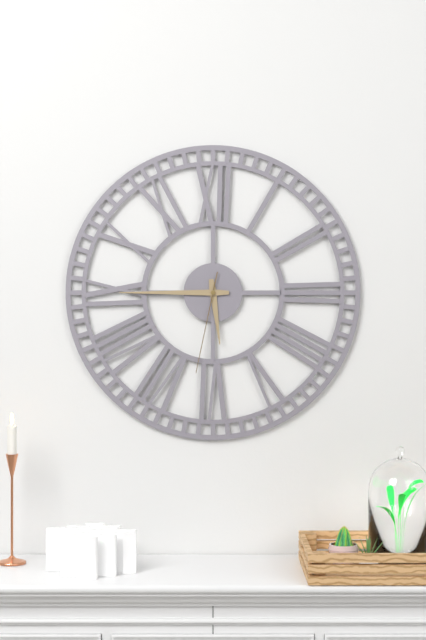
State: 5:45:32
